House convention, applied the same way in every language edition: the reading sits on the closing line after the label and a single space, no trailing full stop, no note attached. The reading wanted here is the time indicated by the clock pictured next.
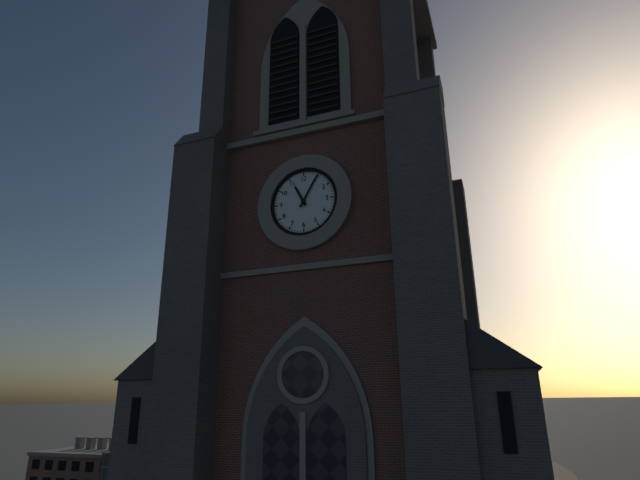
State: 11:05
